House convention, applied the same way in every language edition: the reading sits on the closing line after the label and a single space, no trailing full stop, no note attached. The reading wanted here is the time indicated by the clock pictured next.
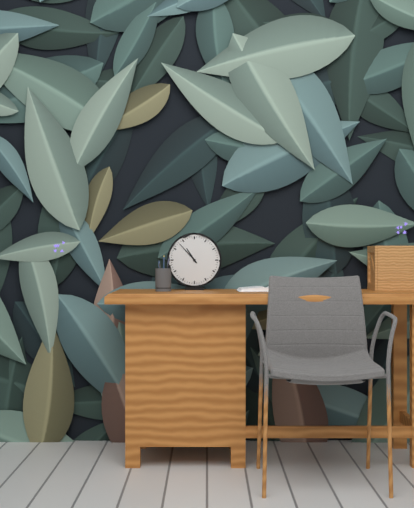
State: 10:53
